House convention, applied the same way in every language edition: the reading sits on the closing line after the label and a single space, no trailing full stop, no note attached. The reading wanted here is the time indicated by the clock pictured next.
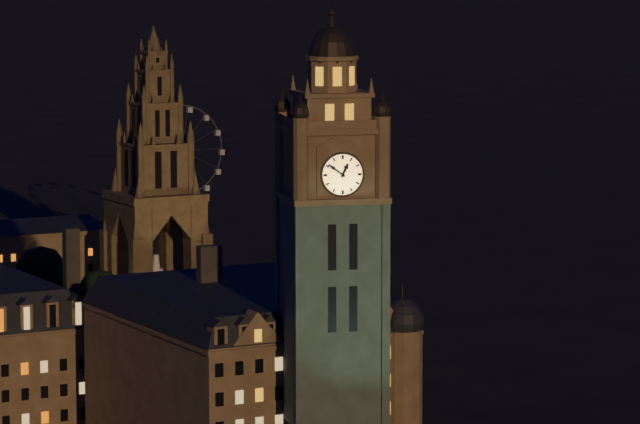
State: 12:51
